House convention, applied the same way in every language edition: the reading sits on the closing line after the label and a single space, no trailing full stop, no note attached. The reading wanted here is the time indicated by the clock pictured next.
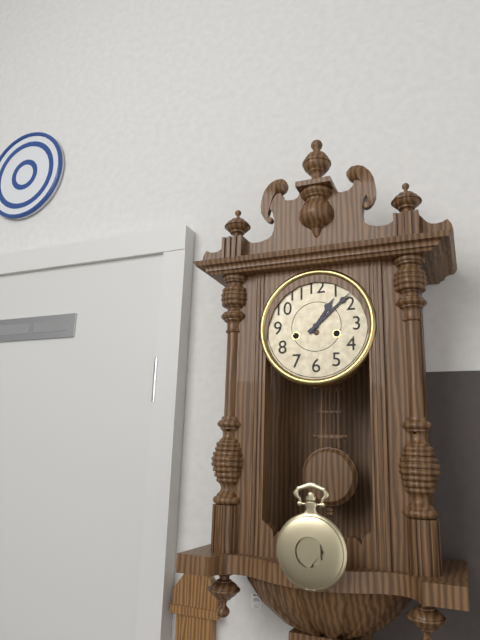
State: 1:08
